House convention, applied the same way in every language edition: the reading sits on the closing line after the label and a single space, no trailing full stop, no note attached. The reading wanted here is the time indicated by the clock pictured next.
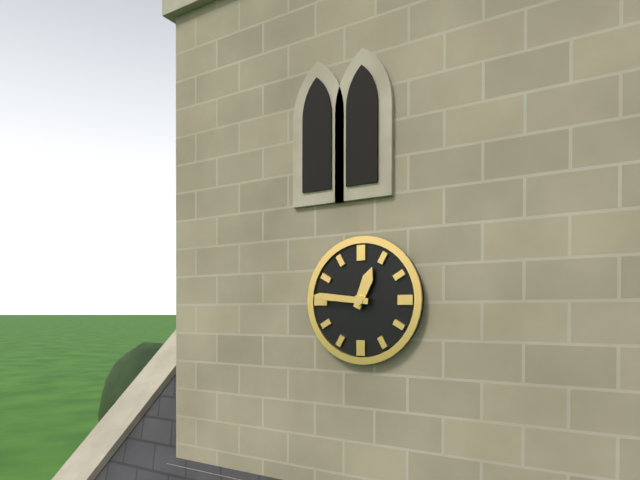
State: 12:46
